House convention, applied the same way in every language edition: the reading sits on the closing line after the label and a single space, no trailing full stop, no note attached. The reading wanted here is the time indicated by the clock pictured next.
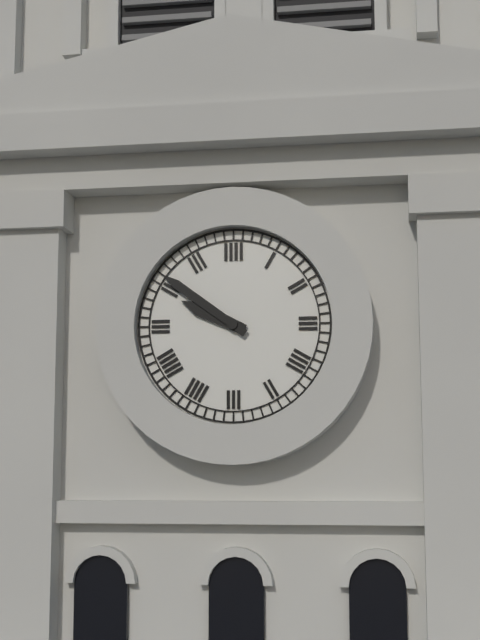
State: 9:51
